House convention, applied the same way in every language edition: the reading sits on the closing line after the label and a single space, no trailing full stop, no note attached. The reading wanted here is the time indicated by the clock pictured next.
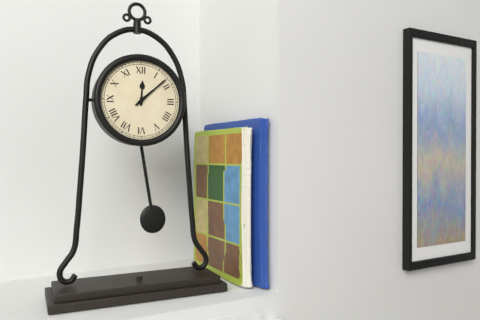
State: 12:08
